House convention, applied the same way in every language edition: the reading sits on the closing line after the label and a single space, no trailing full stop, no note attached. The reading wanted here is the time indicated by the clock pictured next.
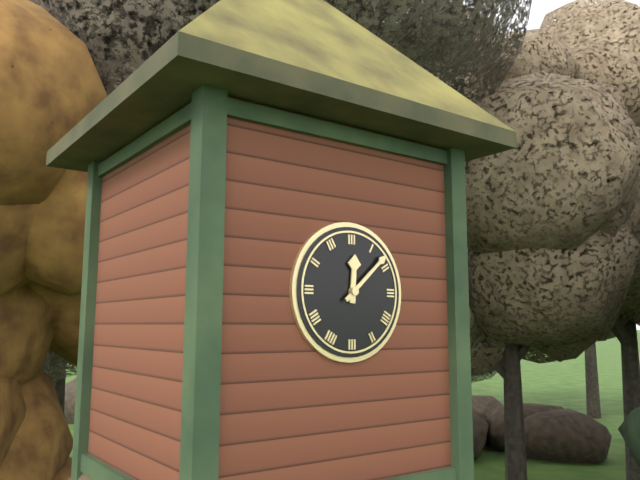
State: 12:08
